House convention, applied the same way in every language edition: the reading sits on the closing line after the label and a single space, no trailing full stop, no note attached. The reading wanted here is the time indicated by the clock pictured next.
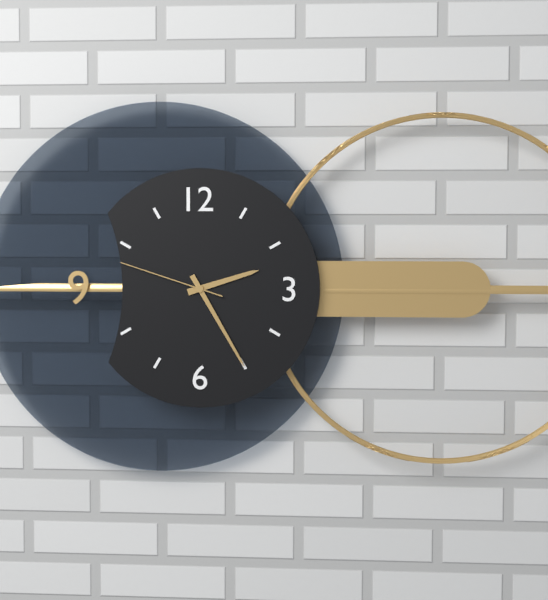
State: 2:25:48
